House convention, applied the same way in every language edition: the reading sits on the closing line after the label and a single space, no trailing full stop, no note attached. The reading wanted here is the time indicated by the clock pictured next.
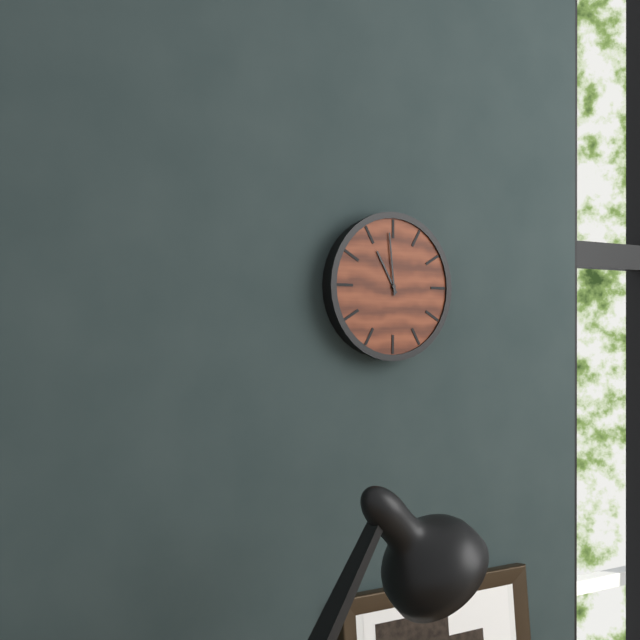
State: 10:59
